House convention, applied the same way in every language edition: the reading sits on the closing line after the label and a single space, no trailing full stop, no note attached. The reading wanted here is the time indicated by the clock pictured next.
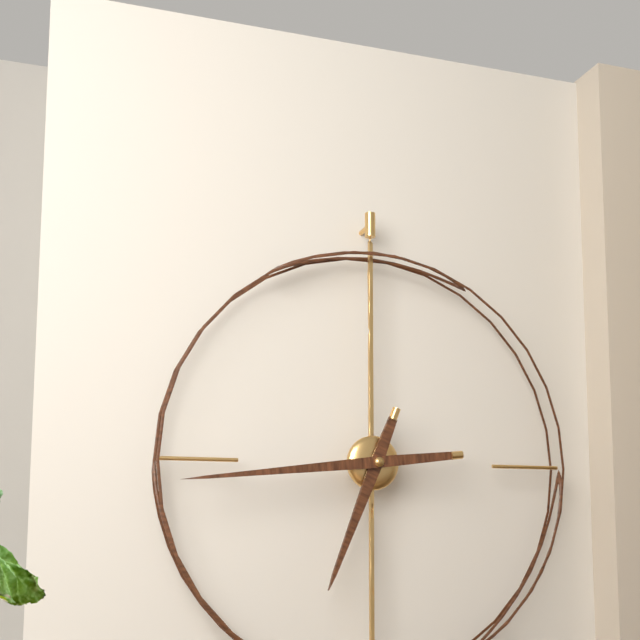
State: 6:44
